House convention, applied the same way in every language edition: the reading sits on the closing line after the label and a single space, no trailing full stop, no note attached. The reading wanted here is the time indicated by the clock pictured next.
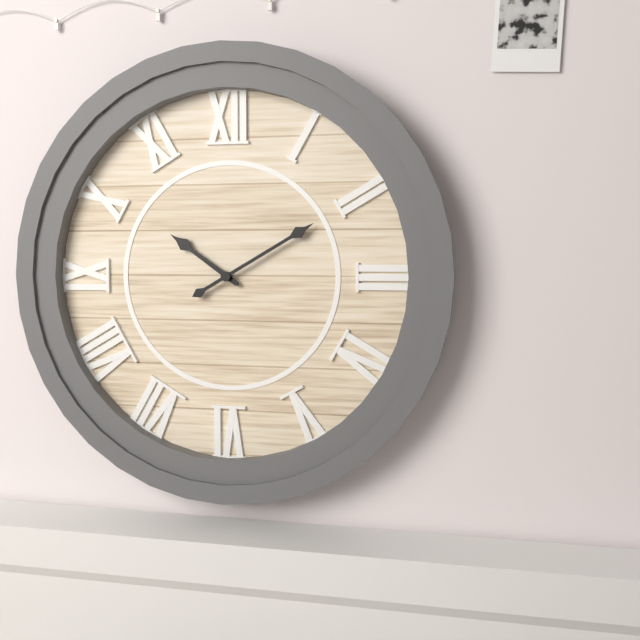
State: 10:10
